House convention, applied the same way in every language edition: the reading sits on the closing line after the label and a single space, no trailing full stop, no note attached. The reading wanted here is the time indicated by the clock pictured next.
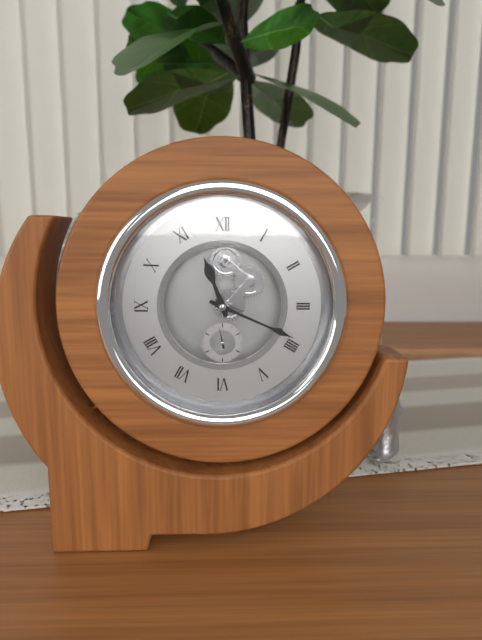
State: 11:19
